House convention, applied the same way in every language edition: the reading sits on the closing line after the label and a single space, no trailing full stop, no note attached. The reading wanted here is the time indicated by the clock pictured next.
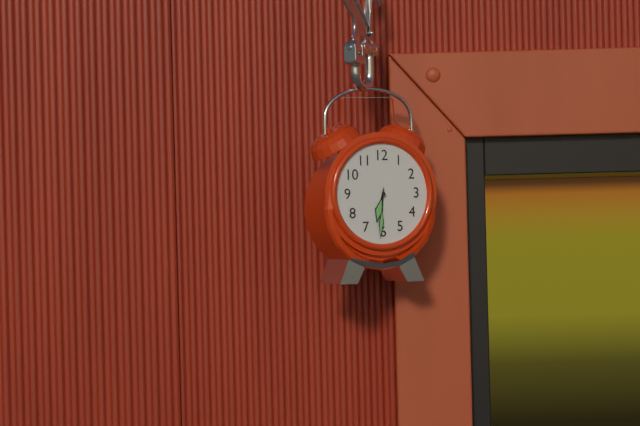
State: 6:31
